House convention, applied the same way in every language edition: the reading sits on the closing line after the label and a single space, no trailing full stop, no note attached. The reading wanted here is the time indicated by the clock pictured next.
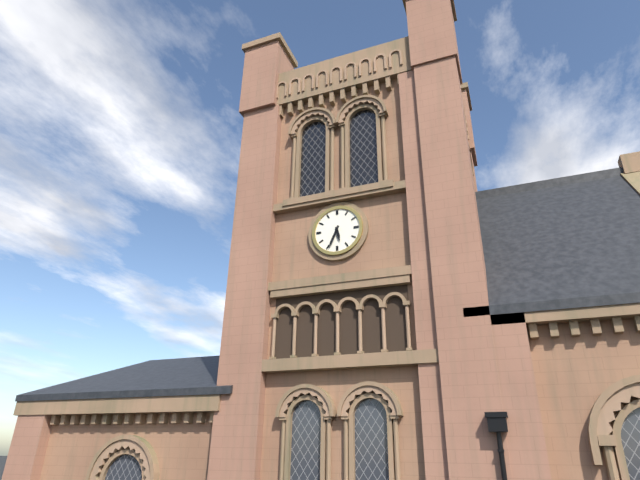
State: 5:34
